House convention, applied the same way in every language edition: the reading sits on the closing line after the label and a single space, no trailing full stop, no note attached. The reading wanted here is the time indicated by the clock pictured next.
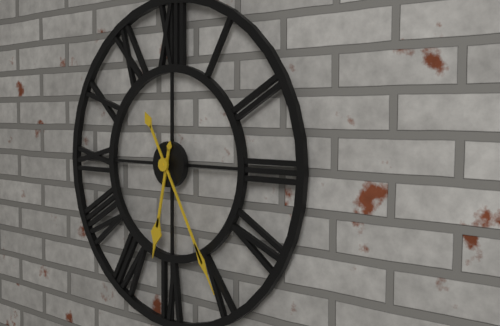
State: 6:25
